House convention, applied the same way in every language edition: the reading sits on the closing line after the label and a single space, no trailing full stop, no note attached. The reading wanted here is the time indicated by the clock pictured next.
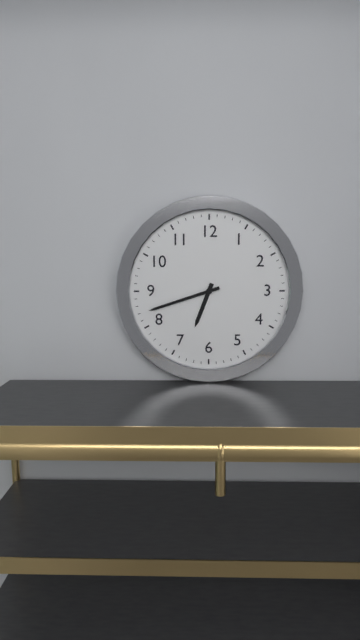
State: 6:42
